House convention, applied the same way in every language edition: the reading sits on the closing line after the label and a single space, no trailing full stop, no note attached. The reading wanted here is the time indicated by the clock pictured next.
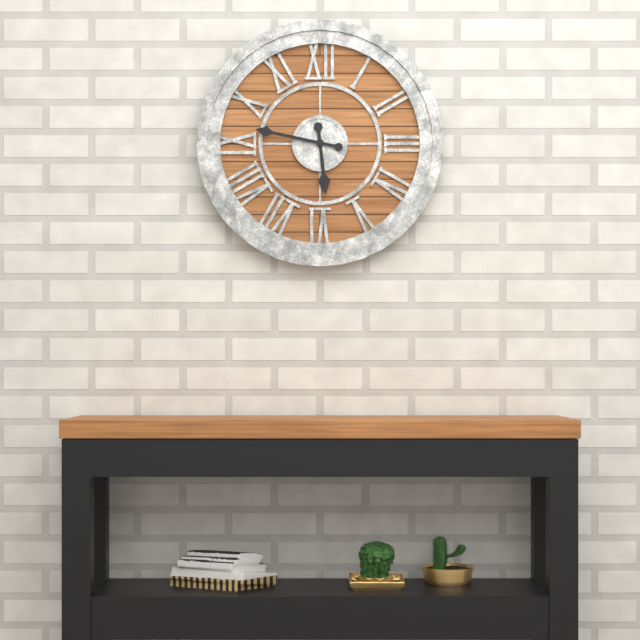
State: 5:47
